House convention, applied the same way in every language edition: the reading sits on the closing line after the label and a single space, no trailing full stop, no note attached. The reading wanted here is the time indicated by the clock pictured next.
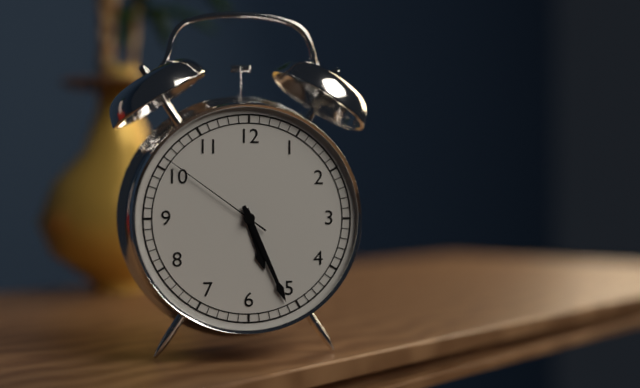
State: 5:26:51
